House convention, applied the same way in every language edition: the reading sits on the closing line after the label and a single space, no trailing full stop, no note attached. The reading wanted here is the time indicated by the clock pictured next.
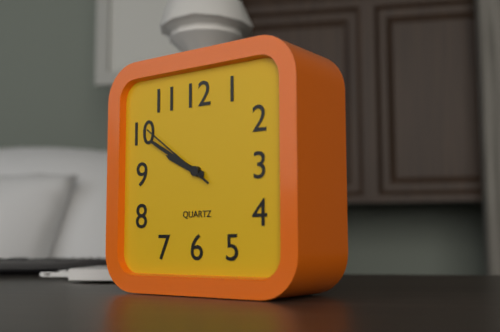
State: 9:50:51
